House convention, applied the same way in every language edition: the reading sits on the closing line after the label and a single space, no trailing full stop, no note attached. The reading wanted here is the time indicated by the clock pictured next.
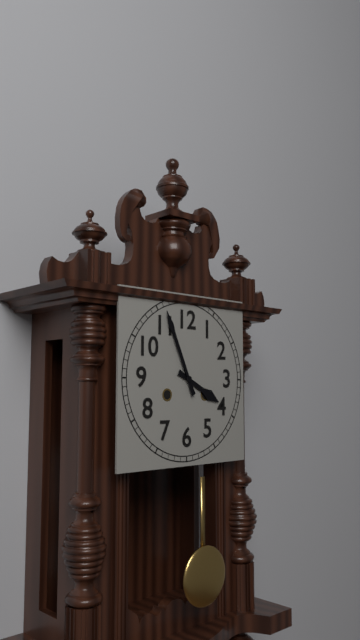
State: 3:56
